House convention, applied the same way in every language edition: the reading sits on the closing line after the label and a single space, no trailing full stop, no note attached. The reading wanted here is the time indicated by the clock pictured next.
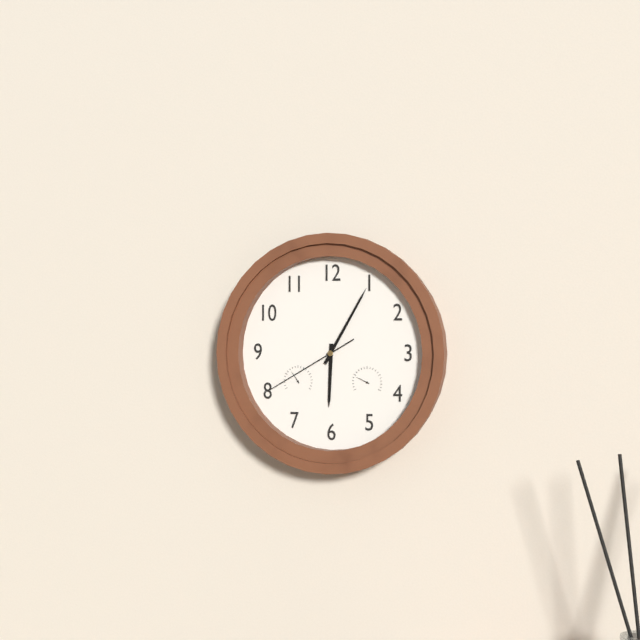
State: 6:05:40
